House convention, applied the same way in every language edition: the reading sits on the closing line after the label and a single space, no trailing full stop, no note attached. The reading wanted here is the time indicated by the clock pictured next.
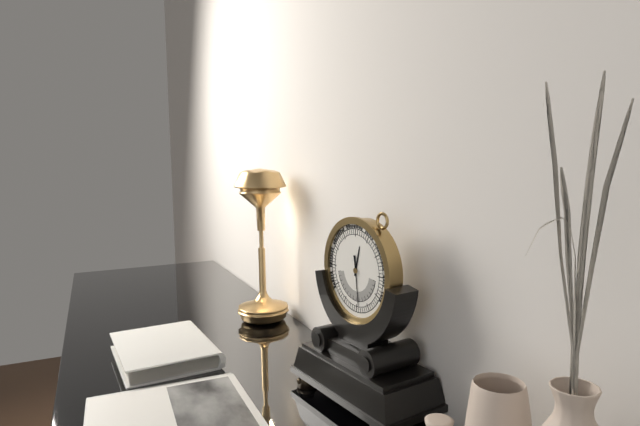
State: 12:29
